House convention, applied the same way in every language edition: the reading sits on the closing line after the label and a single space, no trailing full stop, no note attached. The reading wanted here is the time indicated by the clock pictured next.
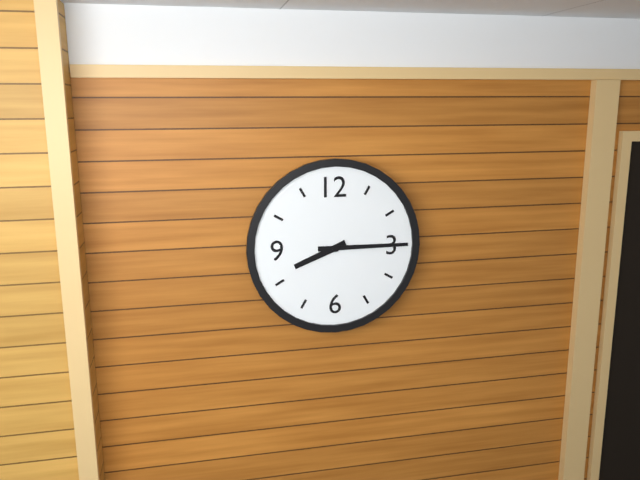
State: 8:15
